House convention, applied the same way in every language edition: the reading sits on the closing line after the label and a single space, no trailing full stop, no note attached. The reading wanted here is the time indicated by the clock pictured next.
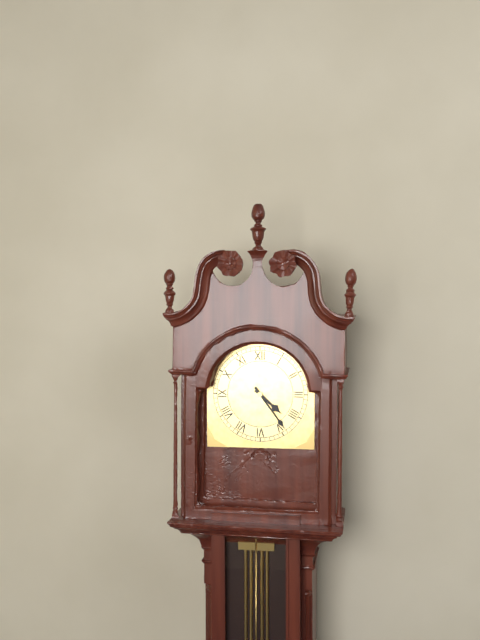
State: 4:24
